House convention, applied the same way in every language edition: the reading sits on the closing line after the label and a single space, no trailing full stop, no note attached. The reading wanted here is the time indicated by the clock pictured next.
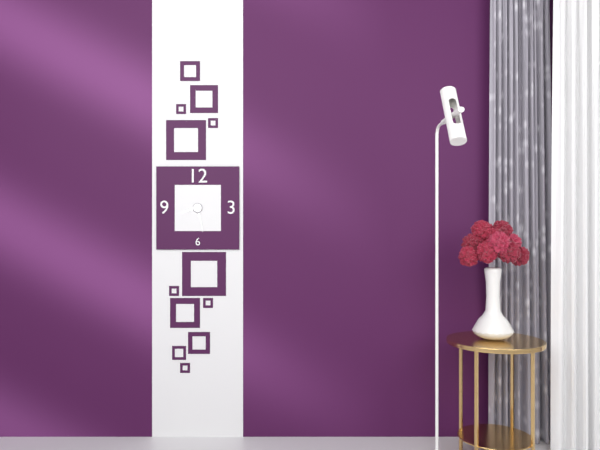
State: 8:28
